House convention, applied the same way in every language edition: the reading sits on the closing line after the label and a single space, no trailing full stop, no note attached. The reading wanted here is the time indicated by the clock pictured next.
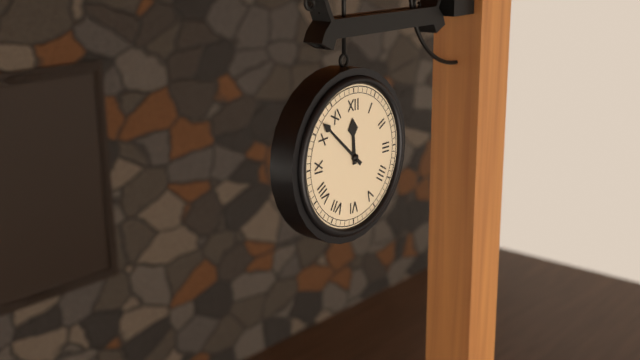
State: 11:52
